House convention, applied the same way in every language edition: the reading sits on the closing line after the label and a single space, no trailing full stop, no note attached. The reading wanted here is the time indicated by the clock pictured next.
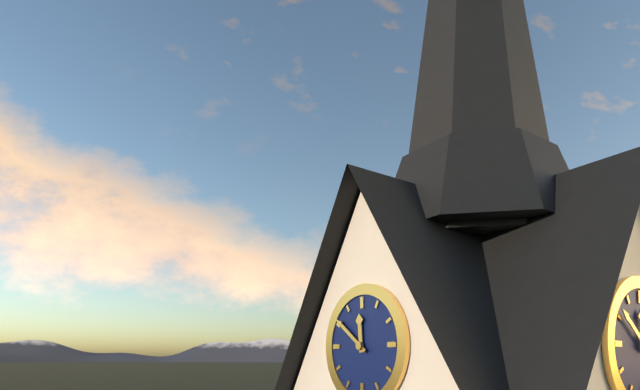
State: 11:51
